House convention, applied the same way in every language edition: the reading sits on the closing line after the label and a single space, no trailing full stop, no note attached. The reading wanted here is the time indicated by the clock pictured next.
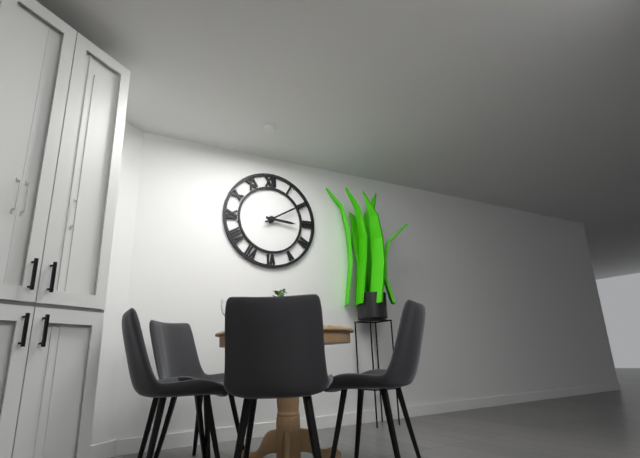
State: 3:10
